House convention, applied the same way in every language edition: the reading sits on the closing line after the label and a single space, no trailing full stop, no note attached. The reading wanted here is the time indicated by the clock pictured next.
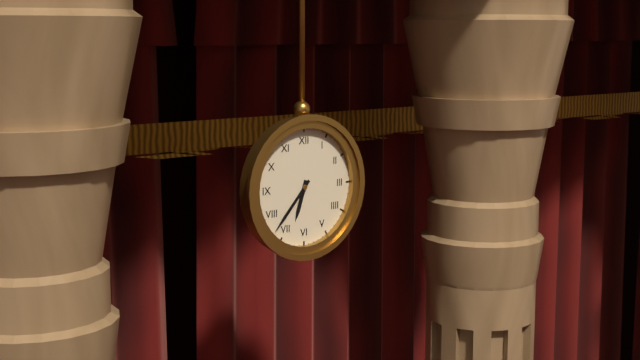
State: 6:37
